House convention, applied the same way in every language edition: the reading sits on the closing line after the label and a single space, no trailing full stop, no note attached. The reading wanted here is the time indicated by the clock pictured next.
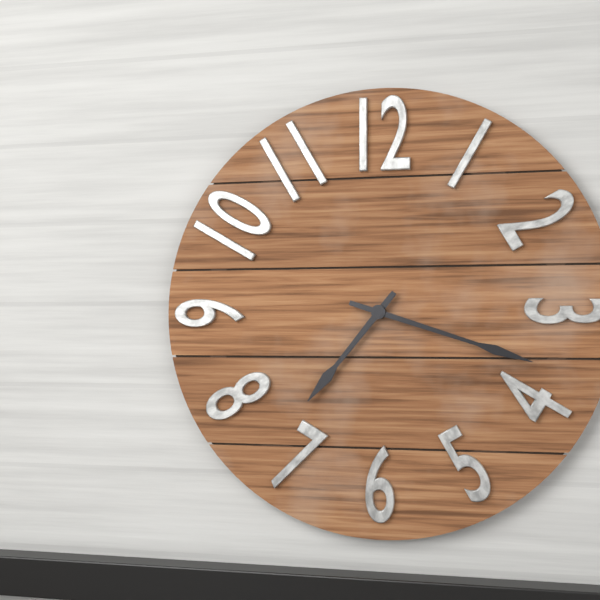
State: 7:18
